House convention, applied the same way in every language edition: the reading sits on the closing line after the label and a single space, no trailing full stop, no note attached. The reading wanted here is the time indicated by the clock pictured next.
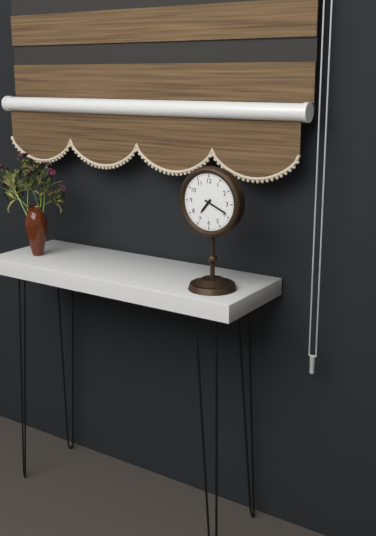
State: 7:19
